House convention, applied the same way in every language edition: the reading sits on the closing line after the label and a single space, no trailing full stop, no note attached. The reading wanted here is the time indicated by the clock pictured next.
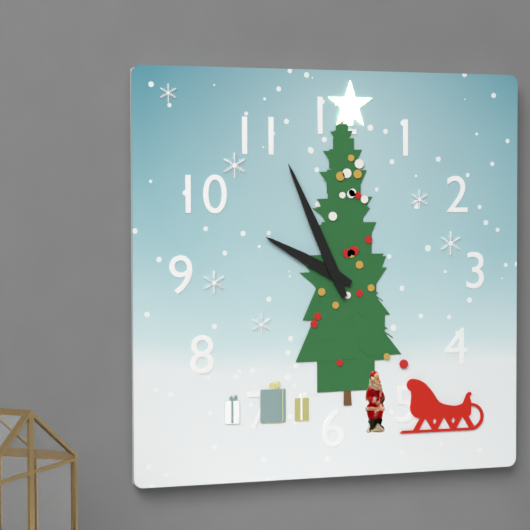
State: 9:56
